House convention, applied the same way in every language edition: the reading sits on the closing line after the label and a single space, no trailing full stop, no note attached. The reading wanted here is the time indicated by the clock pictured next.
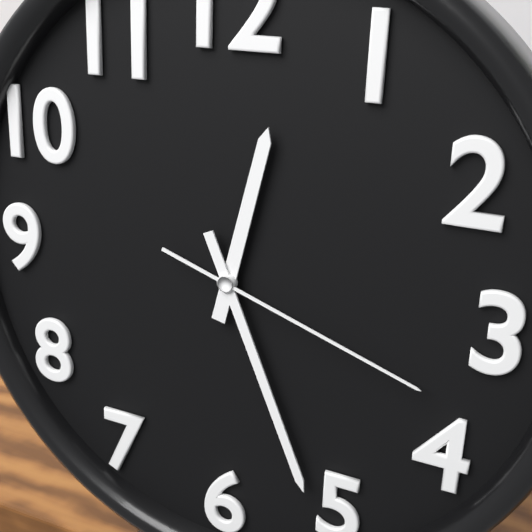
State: 12:26:18
